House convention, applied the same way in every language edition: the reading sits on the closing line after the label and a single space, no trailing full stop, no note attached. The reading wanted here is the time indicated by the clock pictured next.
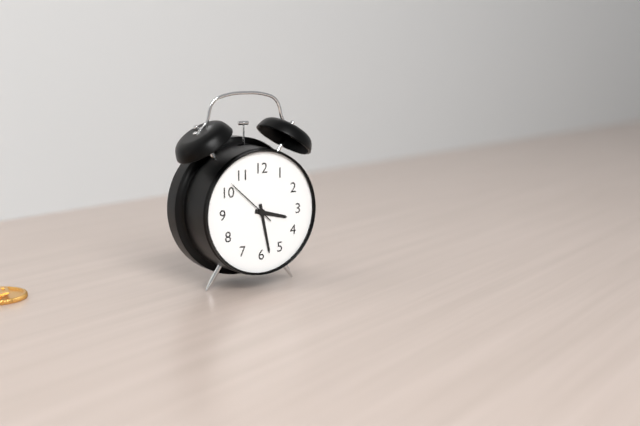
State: 3:28:52
